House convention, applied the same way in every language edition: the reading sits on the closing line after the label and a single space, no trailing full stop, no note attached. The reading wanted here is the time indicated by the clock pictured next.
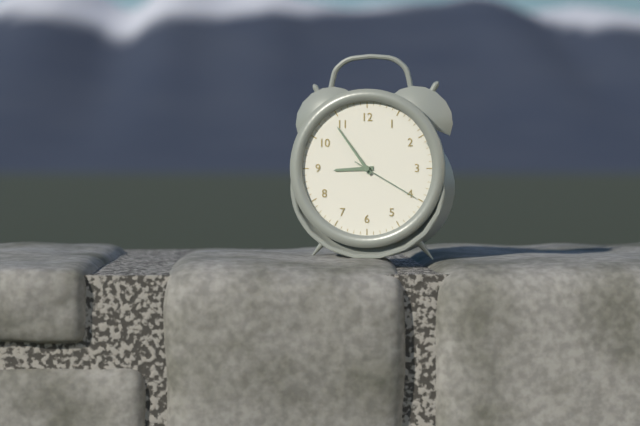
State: 8:54:20
